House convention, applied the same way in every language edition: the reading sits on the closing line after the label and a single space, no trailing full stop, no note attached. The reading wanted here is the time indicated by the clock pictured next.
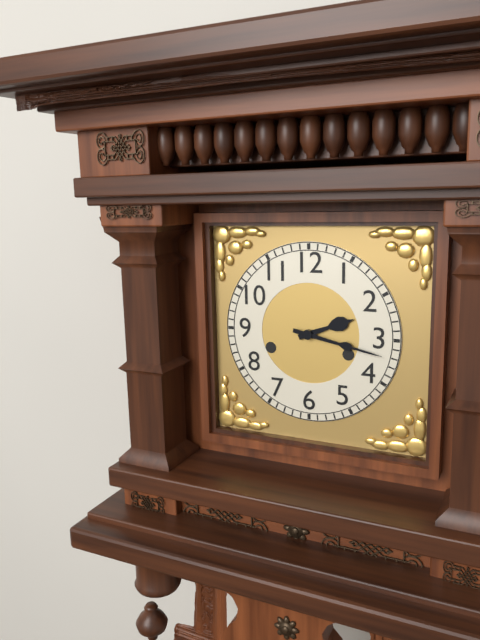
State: 2:17
